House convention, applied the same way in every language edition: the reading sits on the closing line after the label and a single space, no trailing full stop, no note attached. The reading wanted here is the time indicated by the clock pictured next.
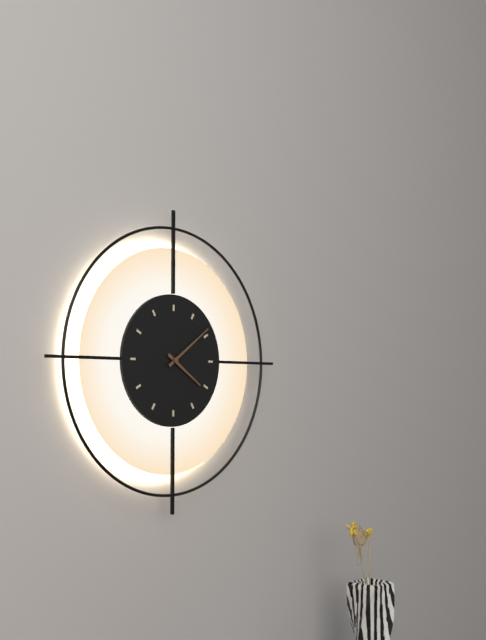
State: 4:09
